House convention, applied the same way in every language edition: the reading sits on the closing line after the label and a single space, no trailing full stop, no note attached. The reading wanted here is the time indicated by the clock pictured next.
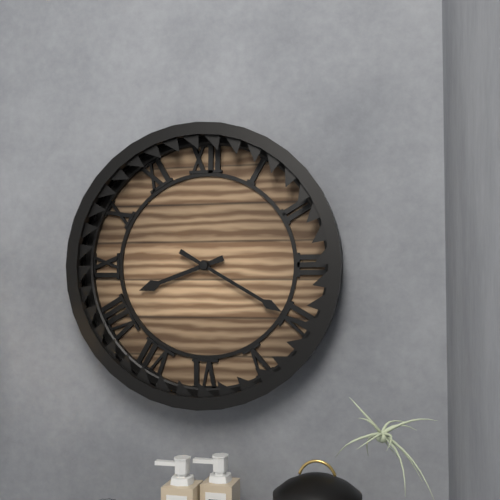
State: 8:20
